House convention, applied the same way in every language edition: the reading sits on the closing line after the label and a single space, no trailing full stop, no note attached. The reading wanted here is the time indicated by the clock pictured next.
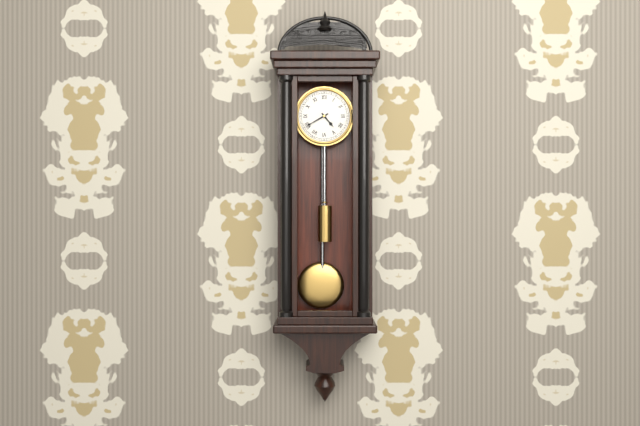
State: 4:40
